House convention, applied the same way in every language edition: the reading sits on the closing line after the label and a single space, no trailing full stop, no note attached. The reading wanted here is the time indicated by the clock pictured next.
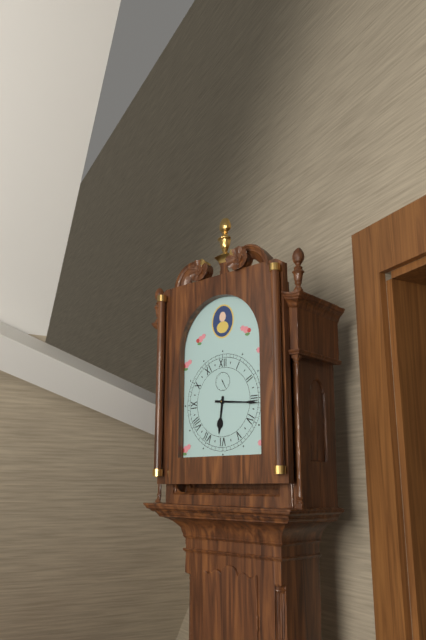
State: 6:16
